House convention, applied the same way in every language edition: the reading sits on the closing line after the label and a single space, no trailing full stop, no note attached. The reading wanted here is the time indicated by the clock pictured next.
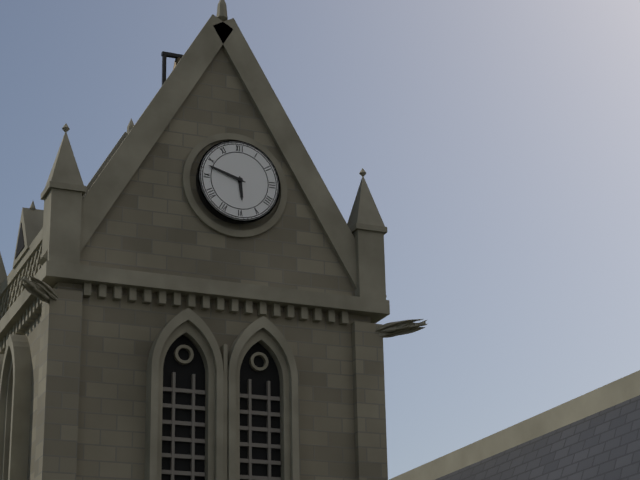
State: 5:48
